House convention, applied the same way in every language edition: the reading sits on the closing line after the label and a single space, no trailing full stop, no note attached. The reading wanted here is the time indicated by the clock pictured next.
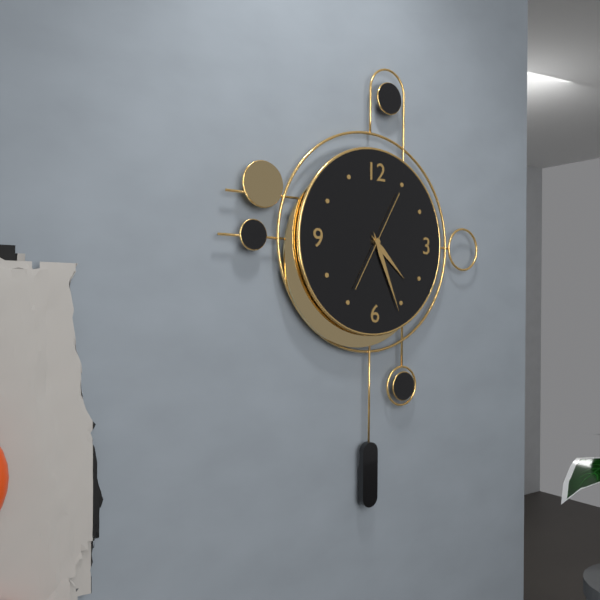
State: 4:26:05
